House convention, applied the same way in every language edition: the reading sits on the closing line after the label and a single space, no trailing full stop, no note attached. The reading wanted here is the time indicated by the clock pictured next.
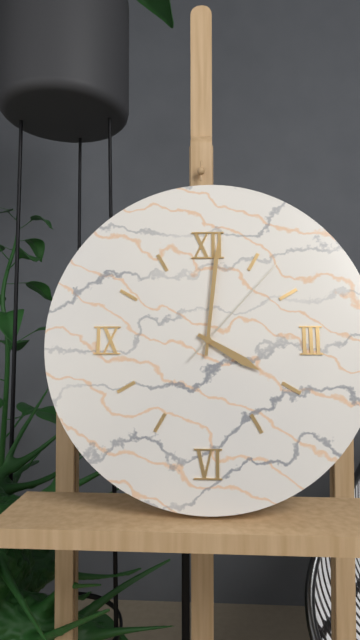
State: 4:01:07
